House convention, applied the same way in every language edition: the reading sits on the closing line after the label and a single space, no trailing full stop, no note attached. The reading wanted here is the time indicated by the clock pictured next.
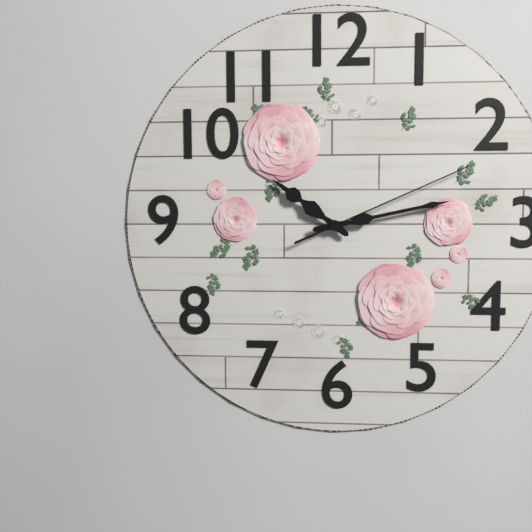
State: 10:13:11
